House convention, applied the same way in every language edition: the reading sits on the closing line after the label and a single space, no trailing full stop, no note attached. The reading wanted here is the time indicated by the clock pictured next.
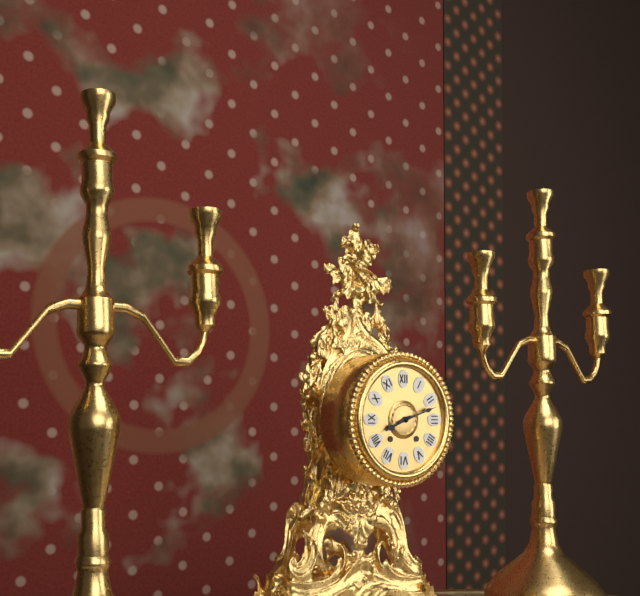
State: 8:12
